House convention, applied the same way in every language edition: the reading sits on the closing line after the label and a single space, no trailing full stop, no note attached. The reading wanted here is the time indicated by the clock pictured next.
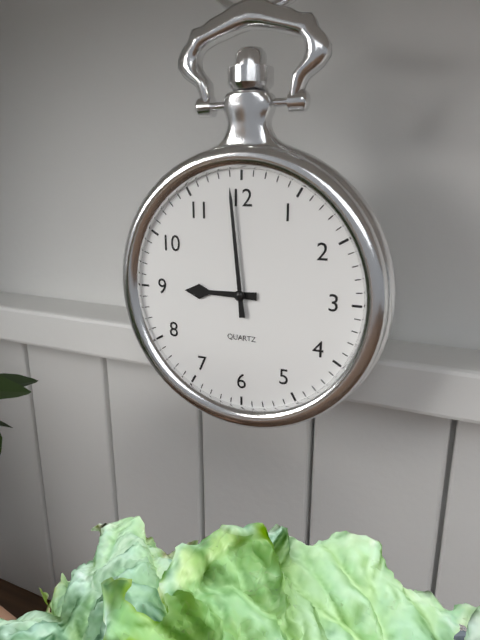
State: 8:59
